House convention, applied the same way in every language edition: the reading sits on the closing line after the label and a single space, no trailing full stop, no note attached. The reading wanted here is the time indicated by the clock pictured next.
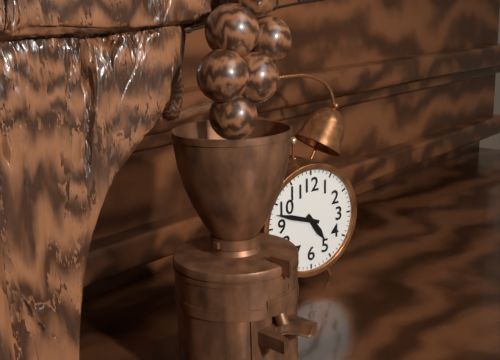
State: 4:48
